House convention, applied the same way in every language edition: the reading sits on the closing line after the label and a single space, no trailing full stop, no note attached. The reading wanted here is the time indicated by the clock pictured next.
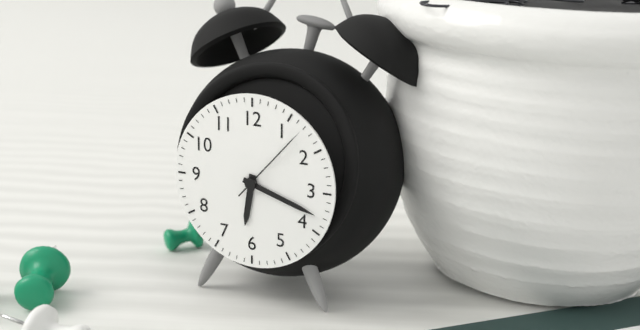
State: 6:18:07
